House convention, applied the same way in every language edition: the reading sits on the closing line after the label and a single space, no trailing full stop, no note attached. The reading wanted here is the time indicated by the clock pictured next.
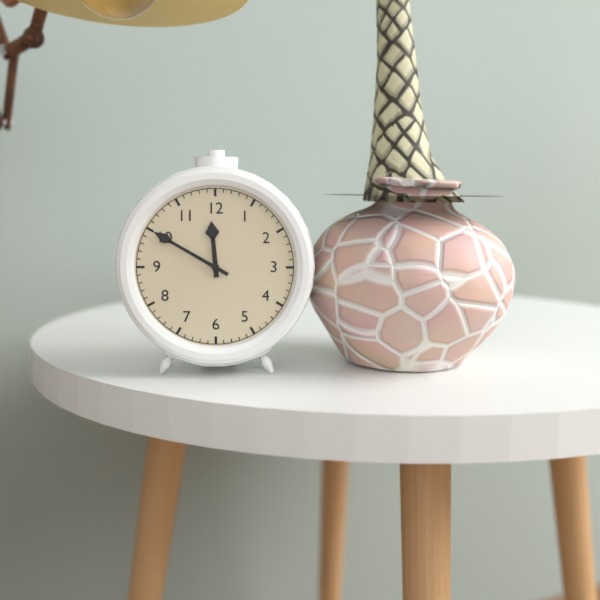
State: 11:50
